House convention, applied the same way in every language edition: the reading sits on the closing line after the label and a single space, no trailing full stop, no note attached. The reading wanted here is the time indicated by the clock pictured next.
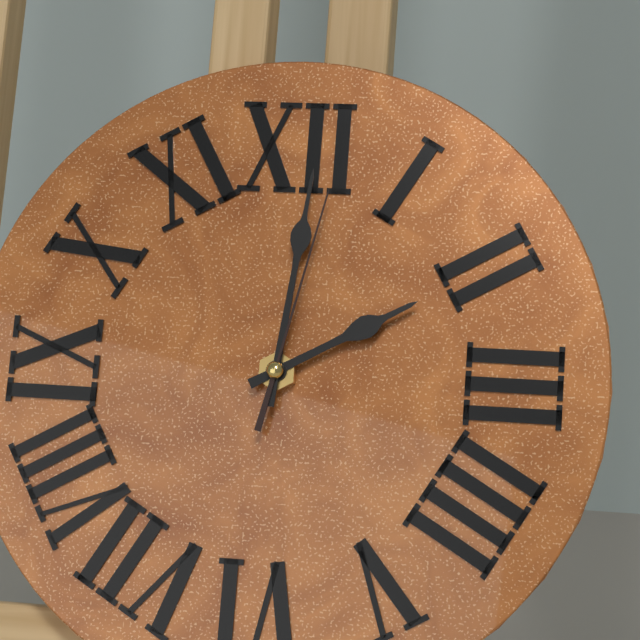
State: 2:01:02
